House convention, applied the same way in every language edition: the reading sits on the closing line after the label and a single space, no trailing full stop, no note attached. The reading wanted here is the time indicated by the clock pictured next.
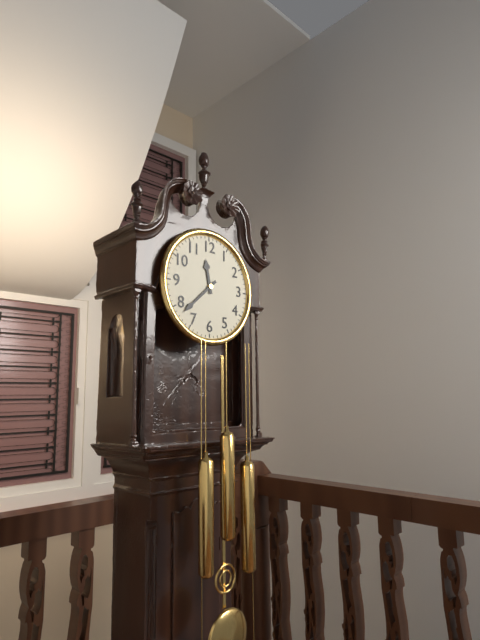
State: 11:38
